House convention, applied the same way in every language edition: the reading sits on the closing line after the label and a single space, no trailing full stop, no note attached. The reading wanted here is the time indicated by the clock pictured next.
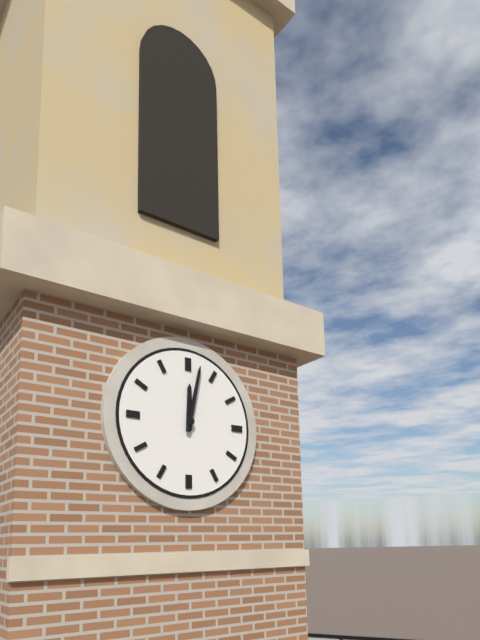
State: 12:02
